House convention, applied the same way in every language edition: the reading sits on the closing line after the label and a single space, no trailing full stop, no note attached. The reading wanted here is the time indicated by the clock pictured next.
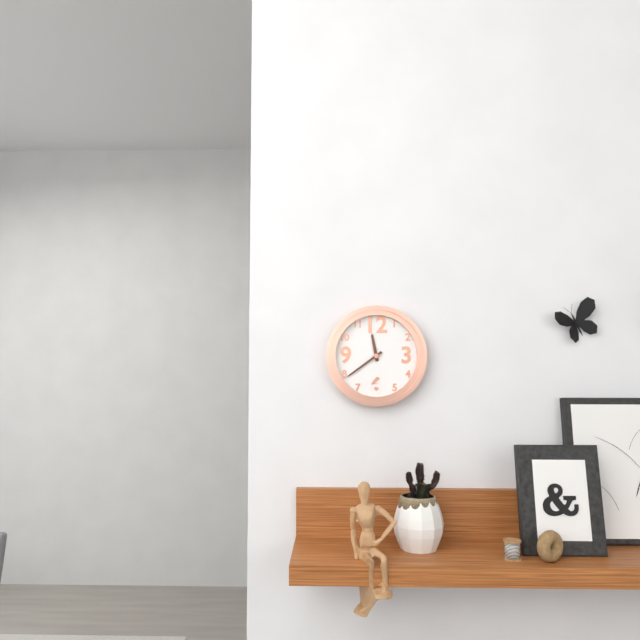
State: 11:39
